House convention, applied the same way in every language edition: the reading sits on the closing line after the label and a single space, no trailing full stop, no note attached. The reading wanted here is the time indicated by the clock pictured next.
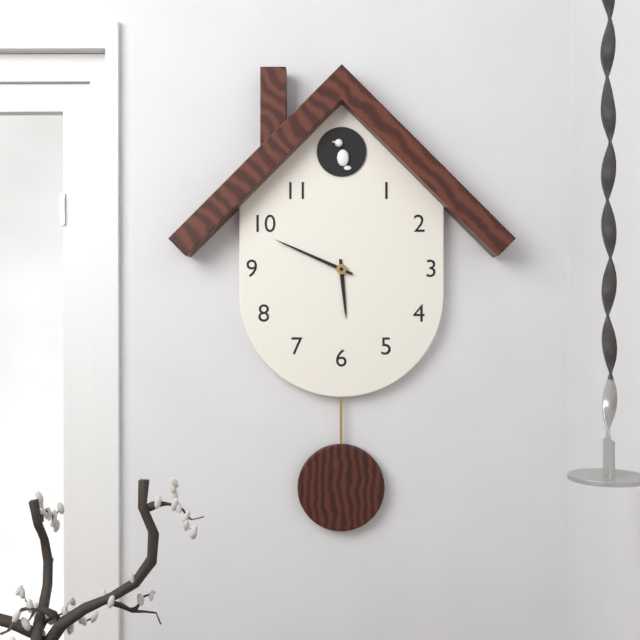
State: 5:49
